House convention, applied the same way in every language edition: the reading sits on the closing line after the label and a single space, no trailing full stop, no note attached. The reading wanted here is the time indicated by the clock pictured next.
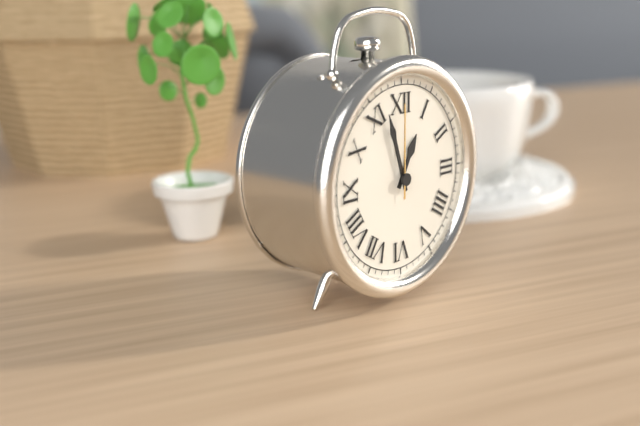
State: 12:57:00
